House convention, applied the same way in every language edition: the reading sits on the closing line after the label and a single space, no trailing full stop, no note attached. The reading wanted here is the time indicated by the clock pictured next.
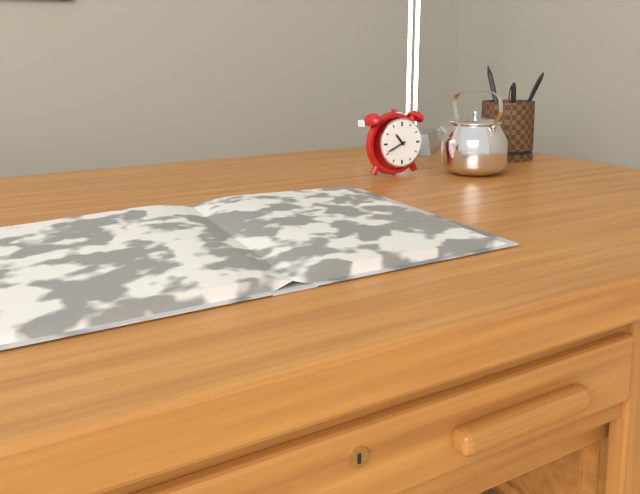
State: 10:41
